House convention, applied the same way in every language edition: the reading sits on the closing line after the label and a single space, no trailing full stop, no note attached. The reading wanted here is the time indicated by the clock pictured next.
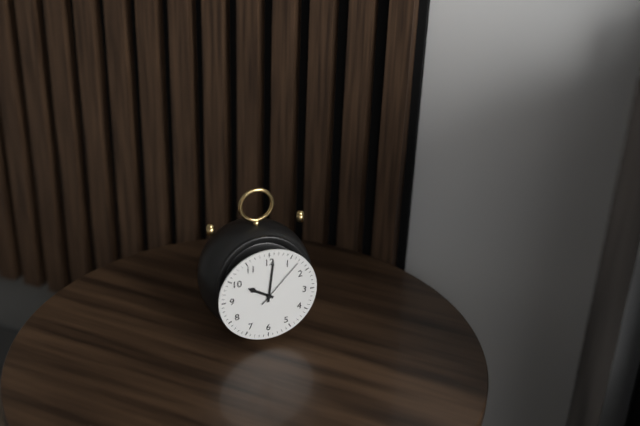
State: 10:01:07
